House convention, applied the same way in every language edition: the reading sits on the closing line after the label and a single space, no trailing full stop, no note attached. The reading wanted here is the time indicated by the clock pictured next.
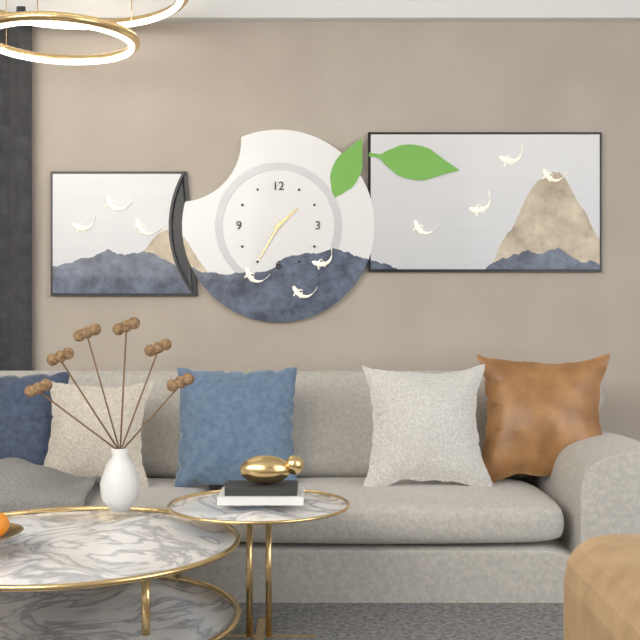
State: 1:35
